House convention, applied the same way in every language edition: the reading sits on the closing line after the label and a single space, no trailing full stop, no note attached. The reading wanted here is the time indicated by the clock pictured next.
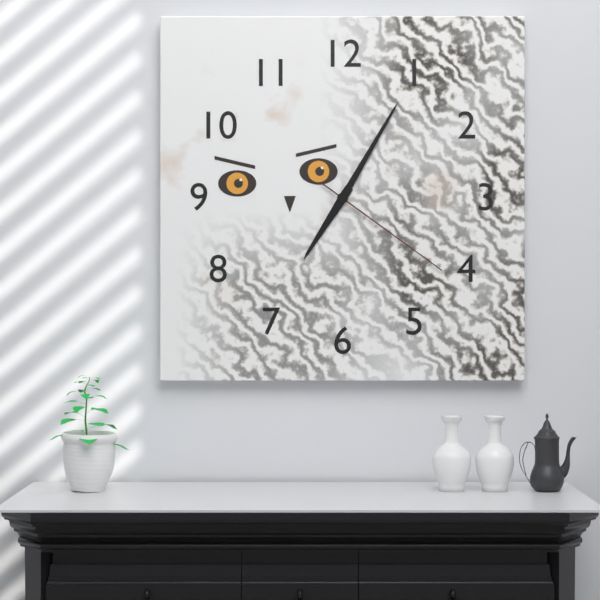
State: 7:05:21
